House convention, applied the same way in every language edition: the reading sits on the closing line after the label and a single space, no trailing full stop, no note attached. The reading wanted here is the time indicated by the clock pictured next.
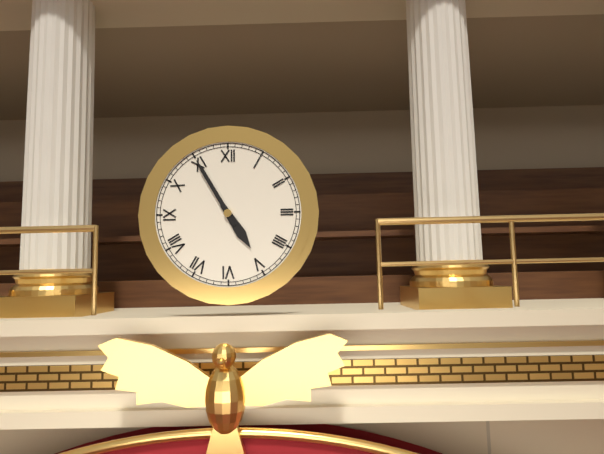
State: 4:55
